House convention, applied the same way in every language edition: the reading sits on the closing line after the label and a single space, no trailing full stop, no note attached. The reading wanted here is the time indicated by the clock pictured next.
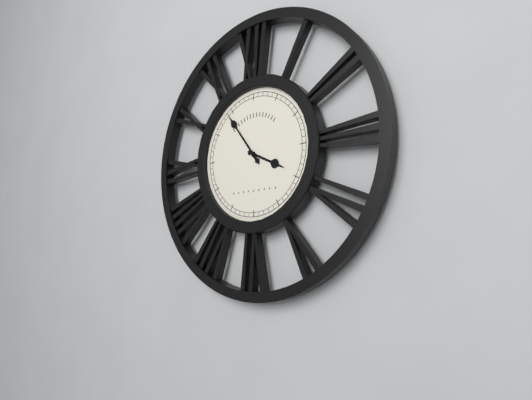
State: 3:54
